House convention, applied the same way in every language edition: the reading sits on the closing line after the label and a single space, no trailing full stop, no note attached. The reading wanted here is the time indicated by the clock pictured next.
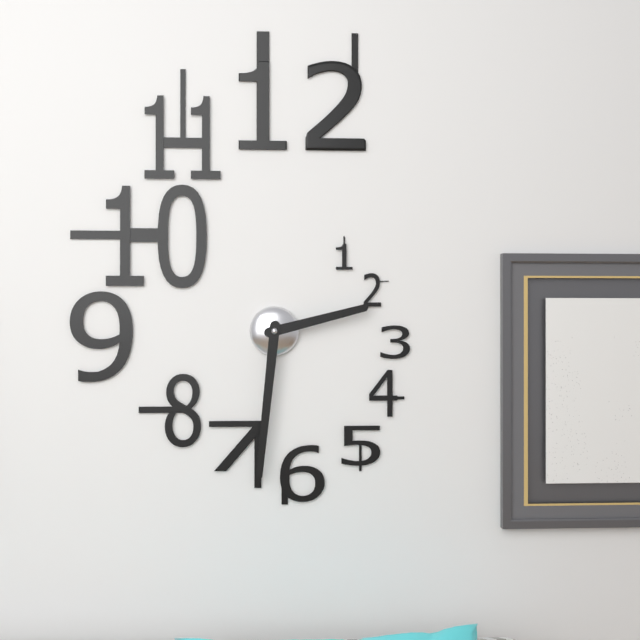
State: 2:31
